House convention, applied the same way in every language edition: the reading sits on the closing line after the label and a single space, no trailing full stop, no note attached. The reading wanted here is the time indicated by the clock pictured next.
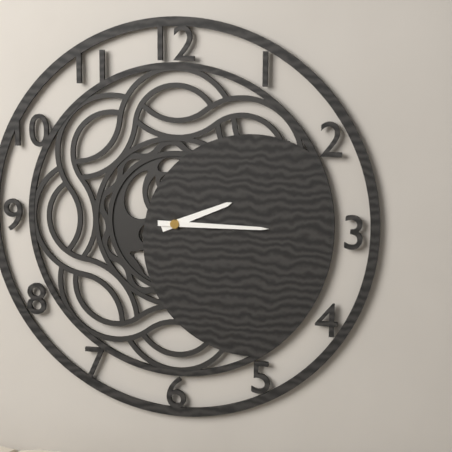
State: 2:15
